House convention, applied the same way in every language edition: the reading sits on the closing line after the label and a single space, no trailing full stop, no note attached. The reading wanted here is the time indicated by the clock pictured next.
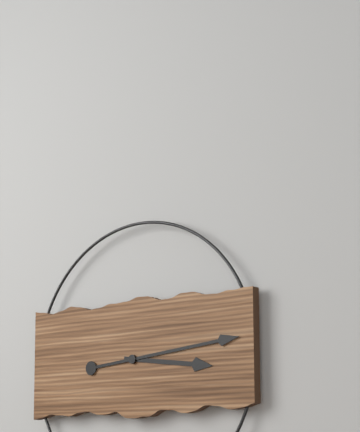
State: 3:14
